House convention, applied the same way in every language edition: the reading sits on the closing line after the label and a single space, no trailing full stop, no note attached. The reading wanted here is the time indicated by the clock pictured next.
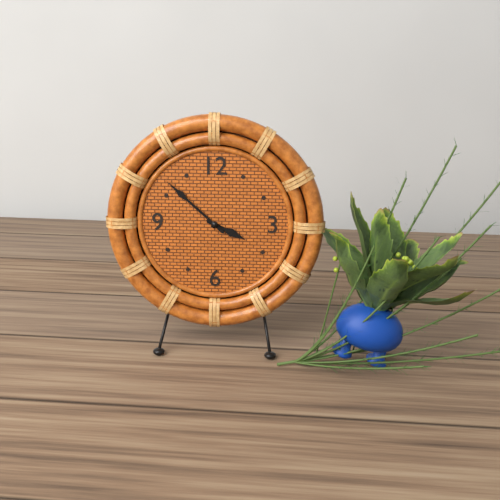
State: 3:52
